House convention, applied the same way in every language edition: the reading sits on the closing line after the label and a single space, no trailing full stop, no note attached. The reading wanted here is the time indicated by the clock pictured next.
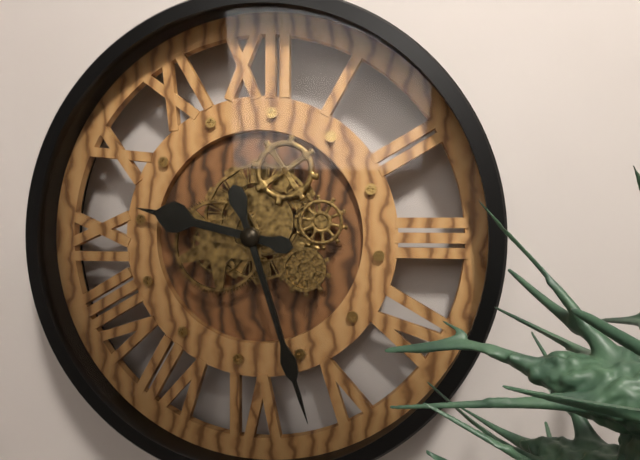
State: 9:27
